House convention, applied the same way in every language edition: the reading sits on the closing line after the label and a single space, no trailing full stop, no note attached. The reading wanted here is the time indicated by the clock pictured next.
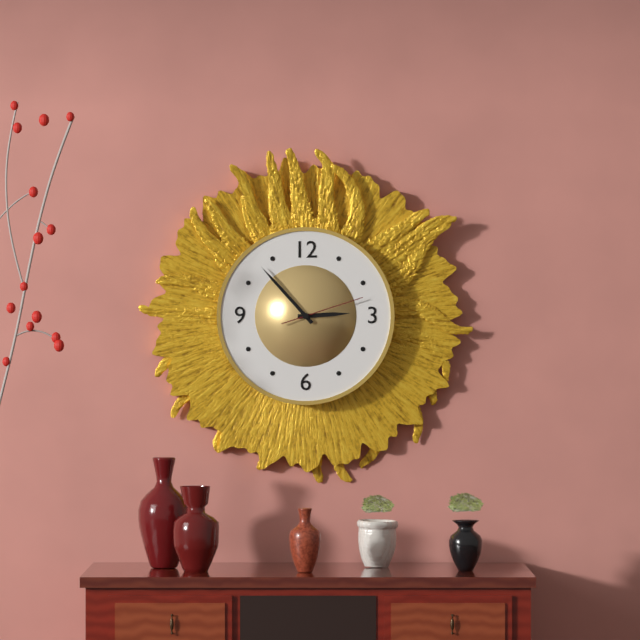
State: 2:53:12
